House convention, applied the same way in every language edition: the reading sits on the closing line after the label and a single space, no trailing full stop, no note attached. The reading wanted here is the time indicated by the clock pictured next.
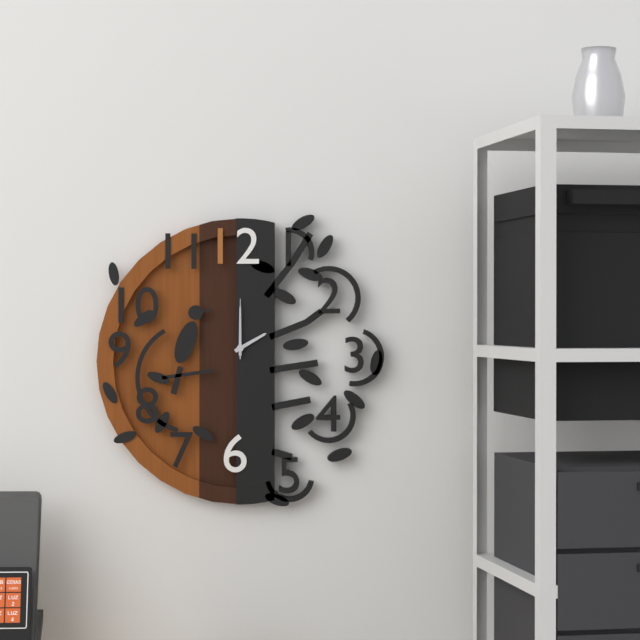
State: 2:00:00
